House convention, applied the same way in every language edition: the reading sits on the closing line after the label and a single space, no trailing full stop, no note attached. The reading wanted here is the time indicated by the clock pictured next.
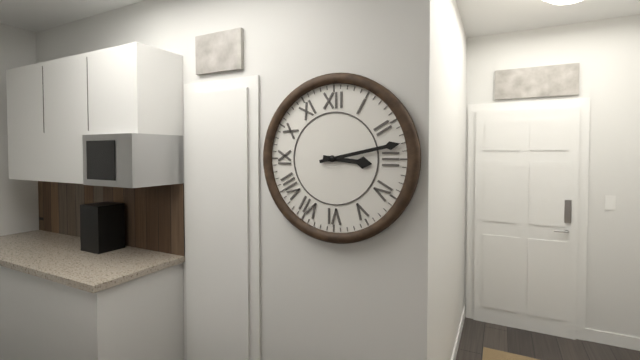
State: 3:13
